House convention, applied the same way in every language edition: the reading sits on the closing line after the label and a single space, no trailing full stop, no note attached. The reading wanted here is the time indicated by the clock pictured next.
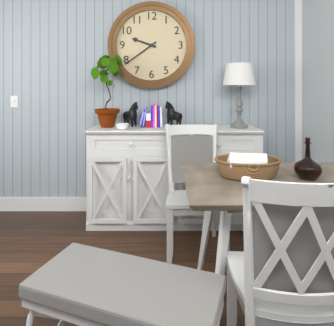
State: 9:39
